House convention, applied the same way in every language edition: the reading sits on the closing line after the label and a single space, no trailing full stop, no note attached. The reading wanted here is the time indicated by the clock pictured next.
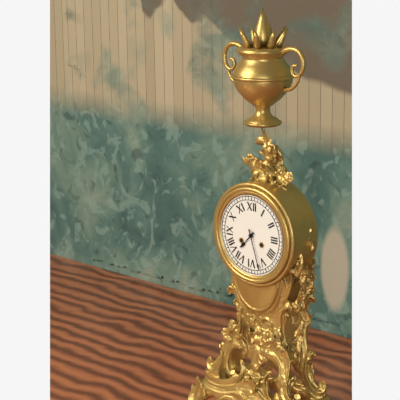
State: 7:27
